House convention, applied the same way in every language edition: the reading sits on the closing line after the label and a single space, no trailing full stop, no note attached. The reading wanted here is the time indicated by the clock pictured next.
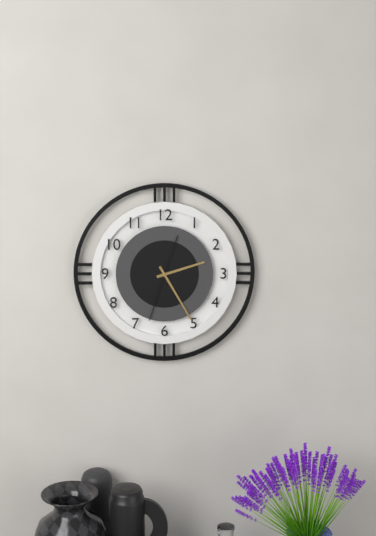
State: 2:25:33
